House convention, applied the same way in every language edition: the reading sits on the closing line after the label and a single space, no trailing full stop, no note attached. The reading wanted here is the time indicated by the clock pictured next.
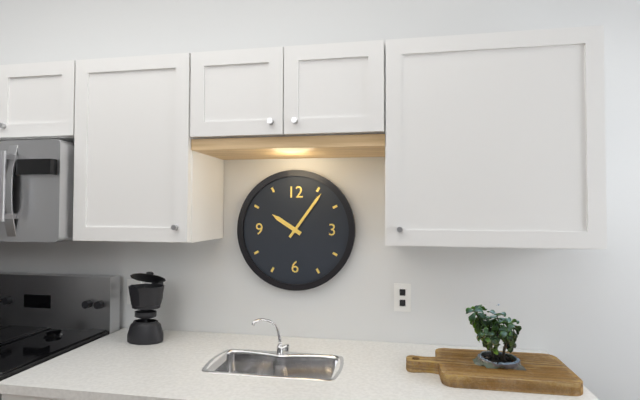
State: 10:06
